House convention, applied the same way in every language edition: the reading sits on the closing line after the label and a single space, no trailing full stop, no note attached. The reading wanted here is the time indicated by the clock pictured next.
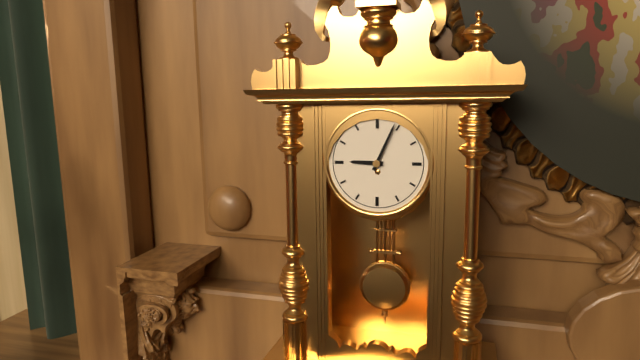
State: 9:04
